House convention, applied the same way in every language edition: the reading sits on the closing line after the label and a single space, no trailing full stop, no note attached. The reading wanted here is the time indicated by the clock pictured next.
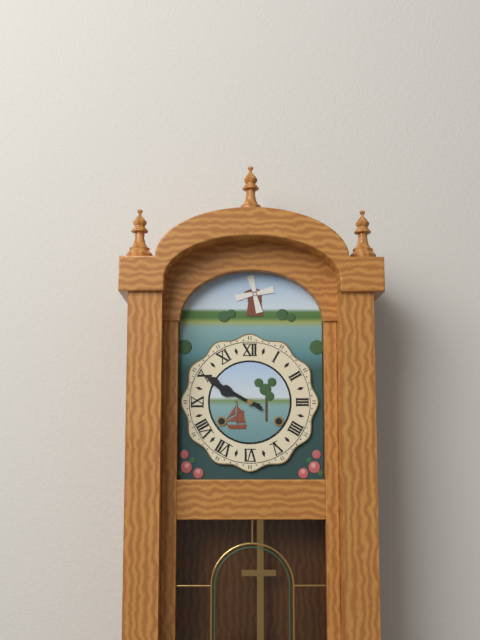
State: 9:50
